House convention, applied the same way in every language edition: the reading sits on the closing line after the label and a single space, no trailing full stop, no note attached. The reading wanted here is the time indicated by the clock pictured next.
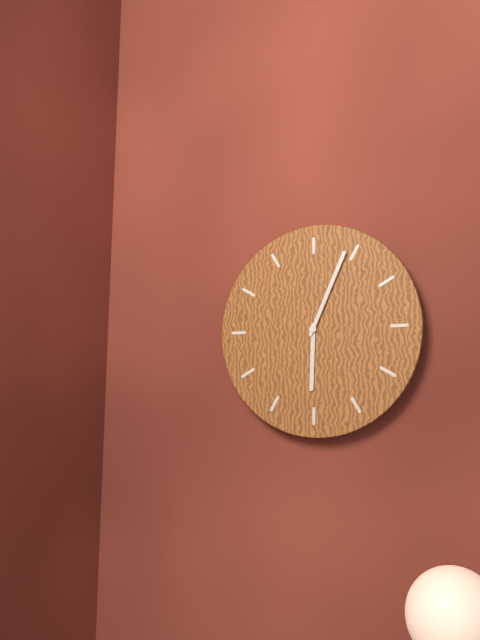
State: 6:04
